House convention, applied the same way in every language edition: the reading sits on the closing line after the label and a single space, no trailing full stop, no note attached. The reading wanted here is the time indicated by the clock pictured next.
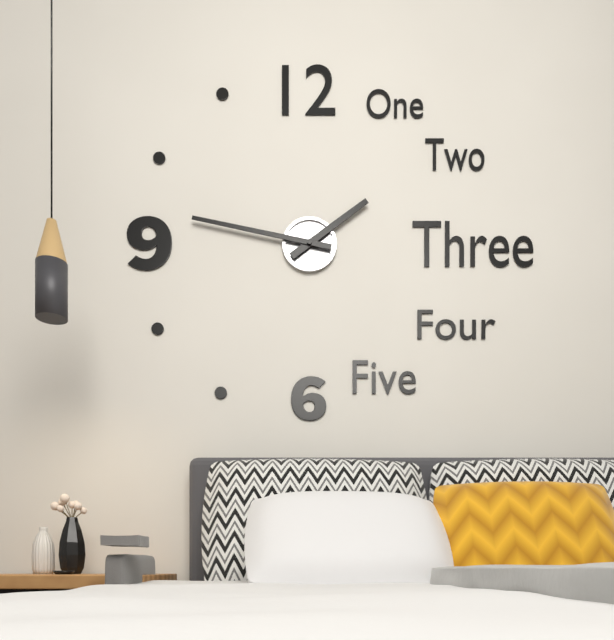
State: 1:47
